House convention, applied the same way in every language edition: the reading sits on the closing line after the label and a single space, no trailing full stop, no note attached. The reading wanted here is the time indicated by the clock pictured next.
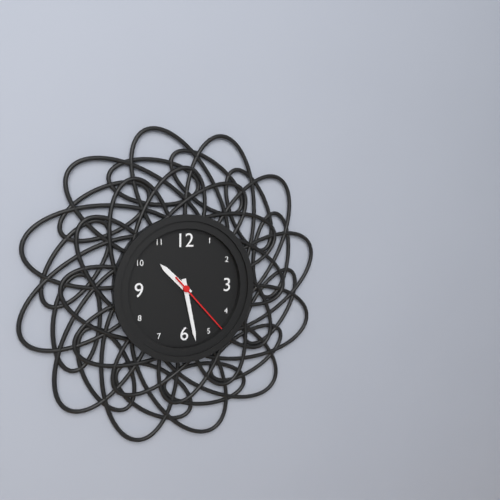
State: 10:28:23
